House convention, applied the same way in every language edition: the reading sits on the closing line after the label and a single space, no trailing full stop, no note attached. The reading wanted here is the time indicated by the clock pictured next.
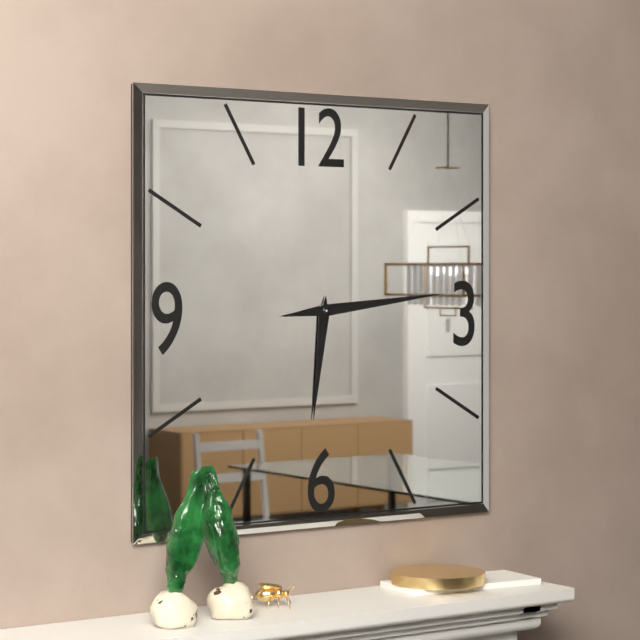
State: 6:14
